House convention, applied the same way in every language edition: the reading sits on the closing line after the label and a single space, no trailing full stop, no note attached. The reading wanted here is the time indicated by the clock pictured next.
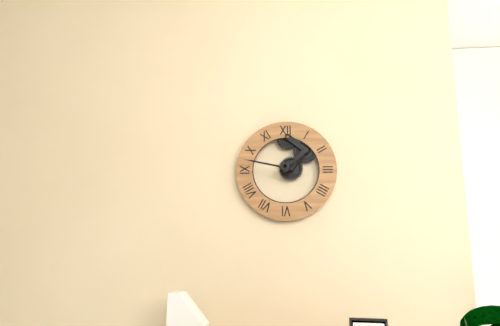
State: 1:47
